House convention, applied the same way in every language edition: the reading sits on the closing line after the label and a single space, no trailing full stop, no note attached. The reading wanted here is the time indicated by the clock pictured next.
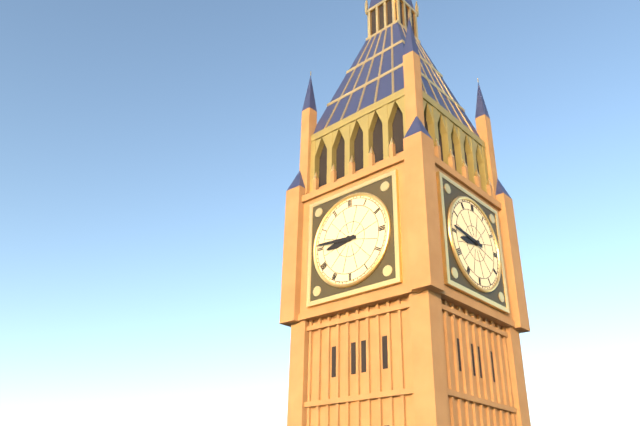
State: 8:46
